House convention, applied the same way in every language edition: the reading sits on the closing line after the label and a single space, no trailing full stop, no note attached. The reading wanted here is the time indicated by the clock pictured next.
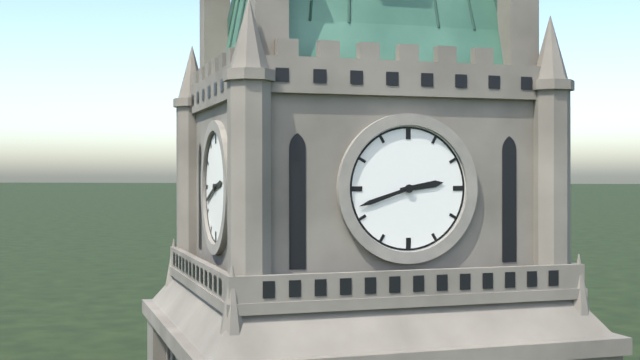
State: 2:42
